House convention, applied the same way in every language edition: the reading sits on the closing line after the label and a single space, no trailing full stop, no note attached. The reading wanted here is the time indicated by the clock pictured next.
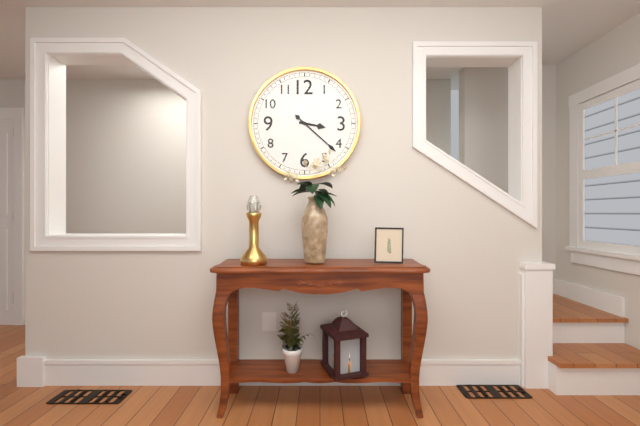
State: 3:22
